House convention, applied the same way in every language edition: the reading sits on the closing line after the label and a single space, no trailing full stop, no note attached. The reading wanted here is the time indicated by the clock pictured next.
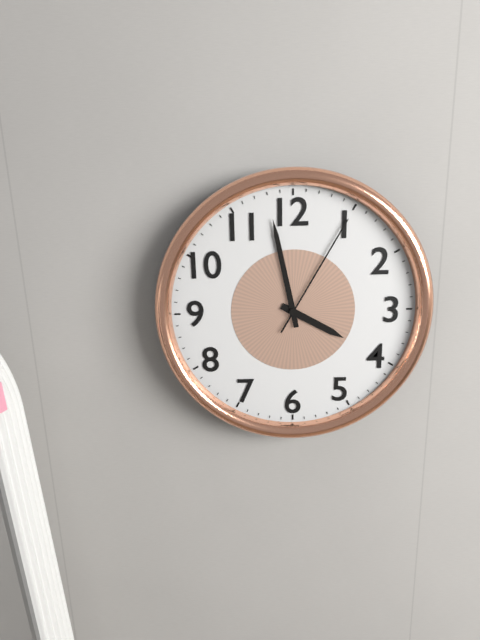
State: 3:58:05
